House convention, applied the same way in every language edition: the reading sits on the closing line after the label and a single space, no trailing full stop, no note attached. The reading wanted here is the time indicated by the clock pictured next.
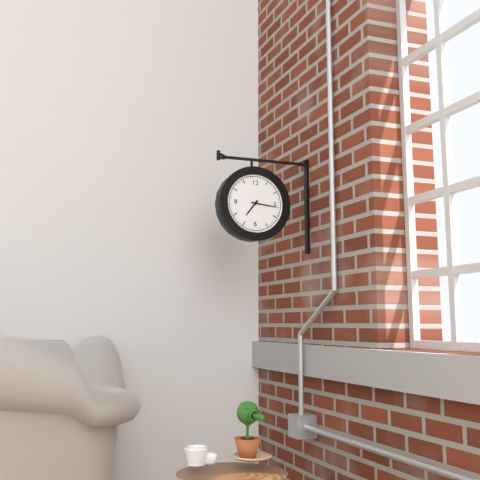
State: 7:16
